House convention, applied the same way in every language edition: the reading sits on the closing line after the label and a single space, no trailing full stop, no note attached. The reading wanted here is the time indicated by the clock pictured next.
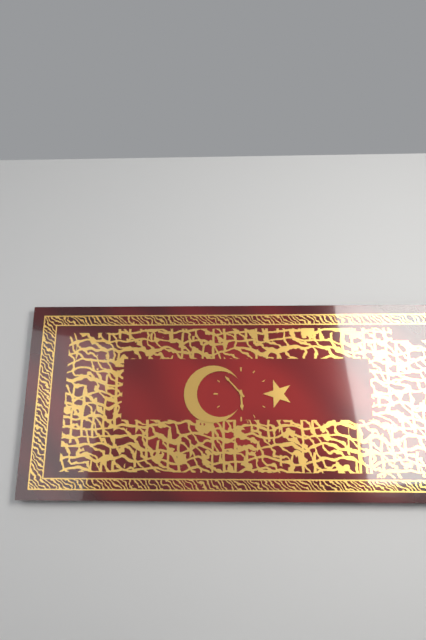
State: 5:53
